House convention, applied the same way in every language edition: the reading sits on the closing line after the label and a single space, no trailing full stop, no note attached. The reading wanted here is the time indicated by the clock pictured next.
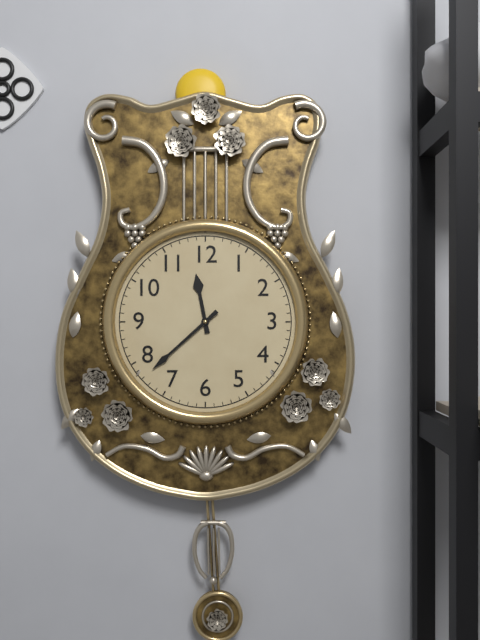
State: 11:38
